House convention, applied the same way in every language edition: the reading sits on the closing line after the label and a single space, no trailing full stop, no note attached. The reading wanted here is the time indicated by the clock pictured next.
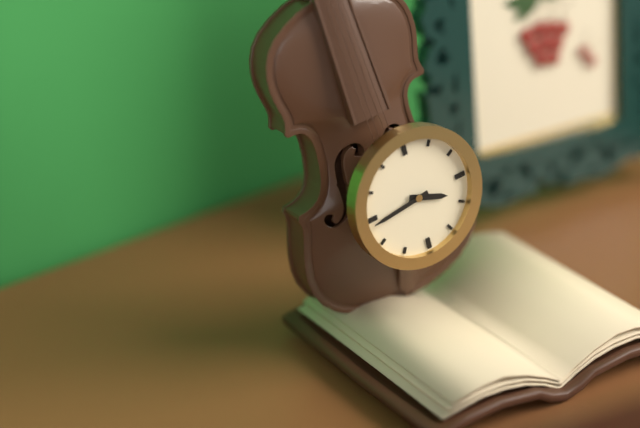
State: 3:44
